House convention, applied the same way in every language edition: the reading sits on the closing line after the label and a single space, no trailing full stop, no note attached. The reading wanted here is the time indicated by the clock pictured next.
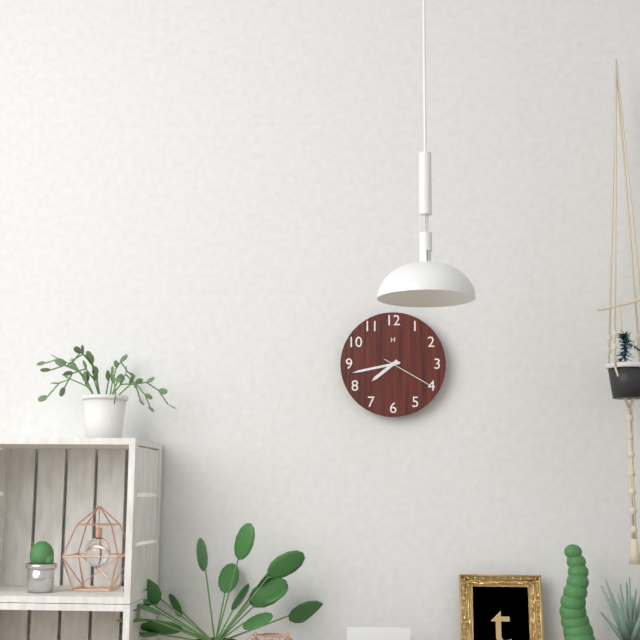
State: 7:43:20
